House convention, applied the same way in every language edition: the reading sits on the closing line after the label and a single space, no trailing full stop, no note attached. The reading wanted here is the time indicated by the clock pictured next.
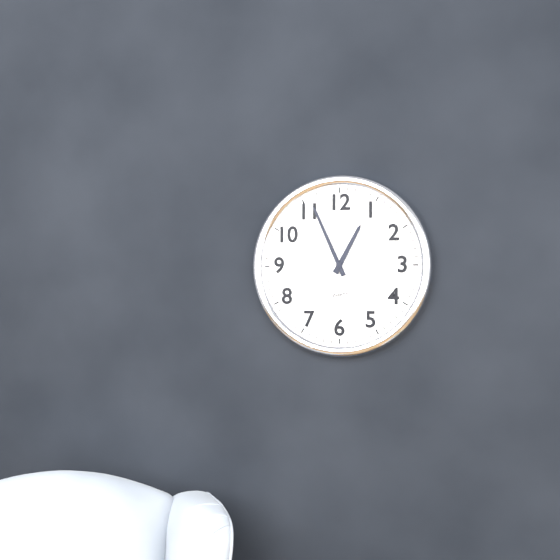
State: 12:56
